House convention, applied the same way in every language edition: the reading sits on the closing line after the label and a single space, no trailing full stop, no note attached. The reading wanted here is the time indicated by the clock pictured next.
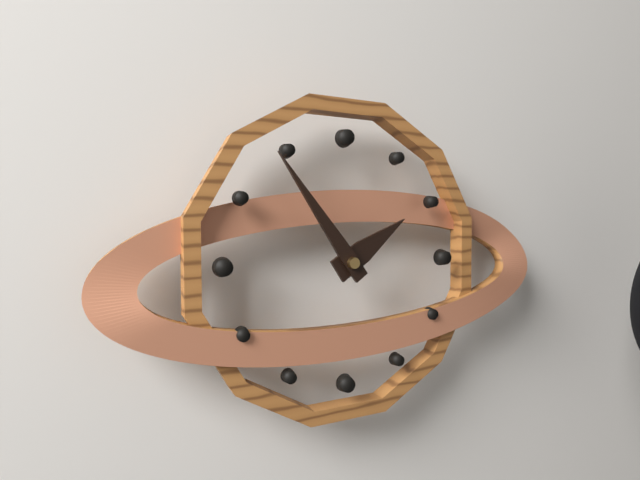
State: 1:54
